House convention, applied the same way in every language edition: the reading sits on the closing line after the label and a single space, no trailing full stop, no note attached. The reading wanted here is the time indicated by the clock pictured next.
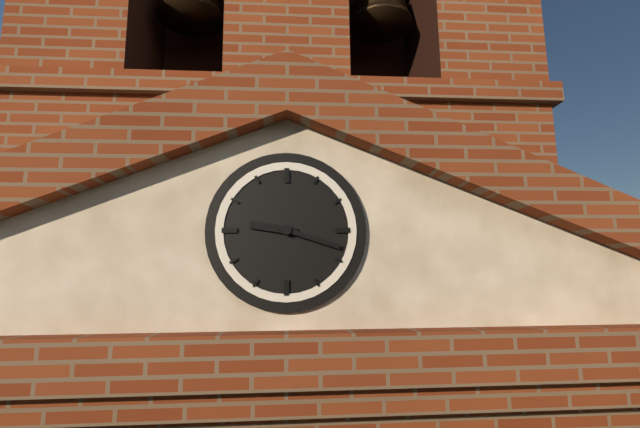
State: 9:18
